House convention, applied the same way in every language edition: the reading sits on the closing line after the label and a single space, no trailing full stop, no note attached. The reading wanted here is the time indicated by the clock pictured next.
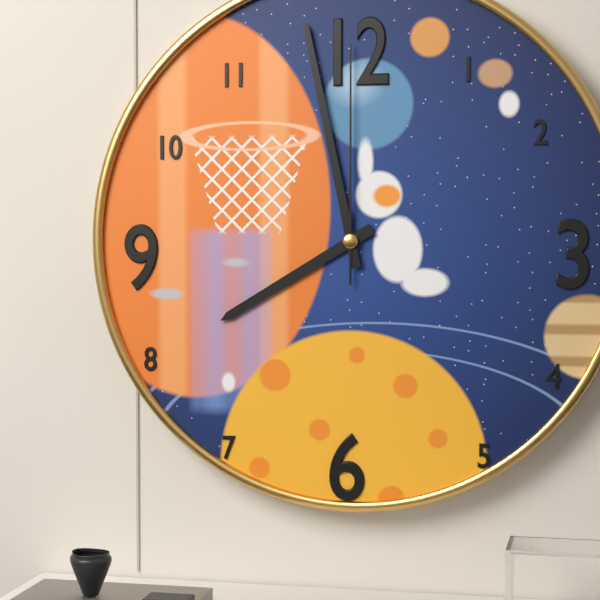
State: 7:58:00
